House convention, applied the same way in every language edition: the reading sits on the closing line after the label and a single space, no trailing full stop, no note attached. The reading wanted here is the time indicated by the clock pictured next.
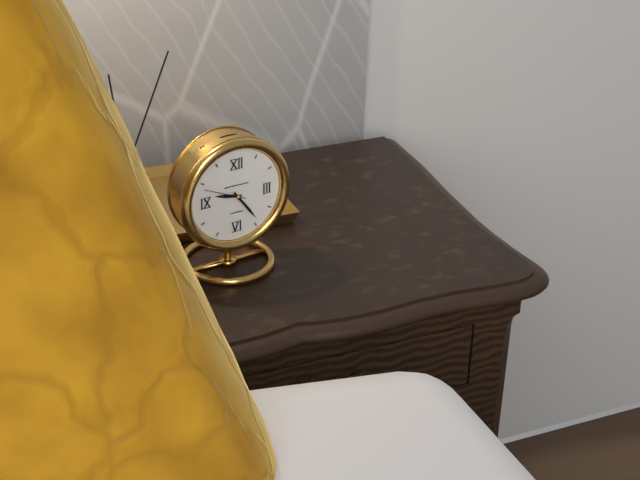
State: 9:24
